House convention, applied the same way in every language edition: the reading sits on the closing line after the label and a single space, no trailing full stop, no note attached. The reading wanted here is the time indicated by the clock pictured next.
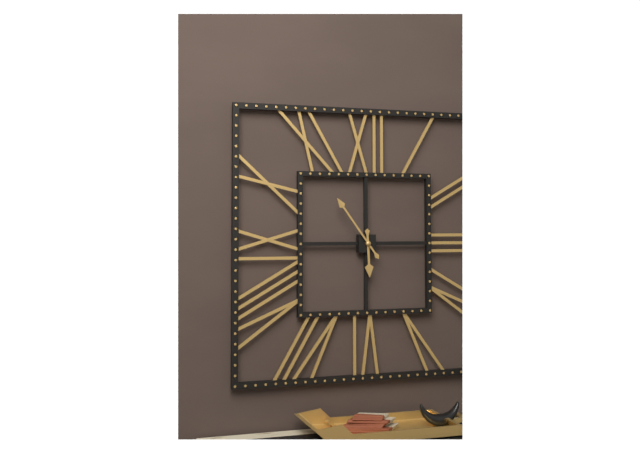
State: 5:54
